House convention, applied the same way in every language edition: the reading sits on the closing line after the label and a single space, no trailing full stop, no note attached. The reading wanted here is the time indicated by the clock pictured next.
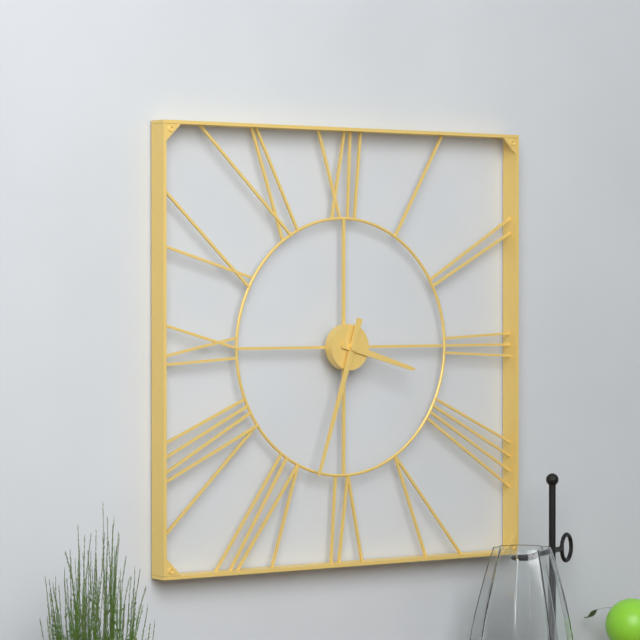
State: 3:33
